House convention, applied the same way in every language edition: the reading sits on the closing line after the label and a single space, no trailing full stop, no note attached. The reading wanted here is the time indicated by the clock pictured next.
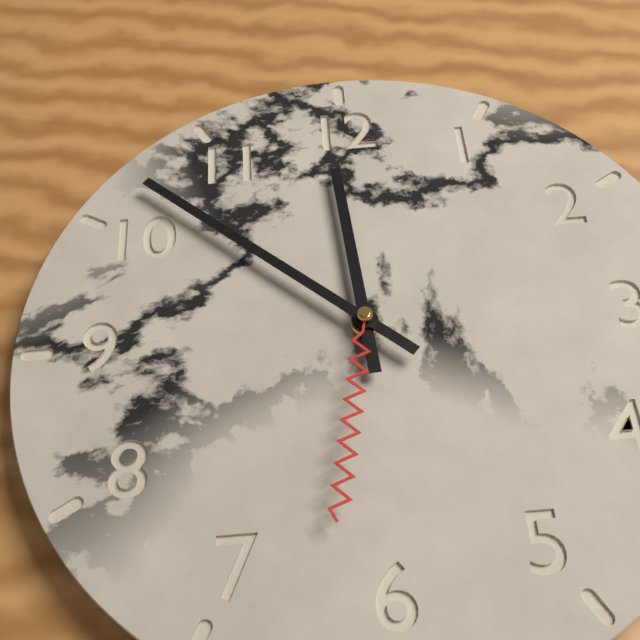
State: 11:52:32
